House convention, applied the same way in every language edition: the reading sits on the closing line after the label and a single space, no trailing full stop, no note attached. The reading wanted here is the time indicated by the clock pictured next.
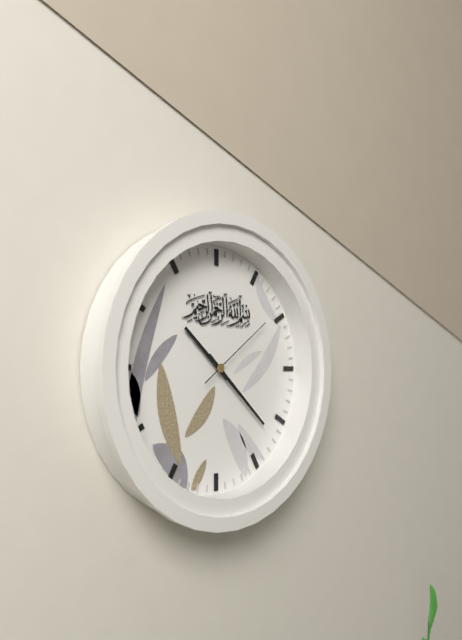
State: 10:22:09
